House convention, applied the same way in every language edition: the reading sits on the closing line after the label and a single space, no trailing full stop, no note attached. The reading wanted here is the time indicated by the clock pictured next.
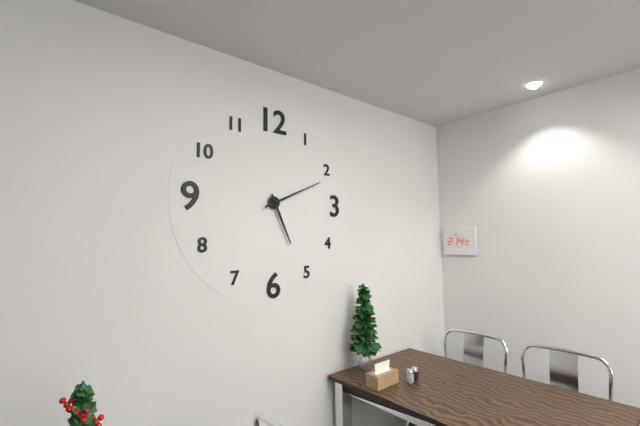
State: 5:11
